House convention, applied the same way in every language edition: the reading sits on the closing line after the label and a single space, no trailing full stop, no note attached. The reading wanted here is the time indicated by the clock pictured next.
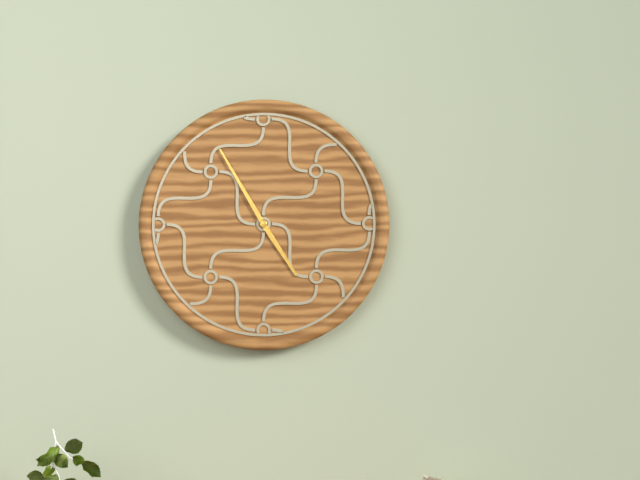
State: 4:55
